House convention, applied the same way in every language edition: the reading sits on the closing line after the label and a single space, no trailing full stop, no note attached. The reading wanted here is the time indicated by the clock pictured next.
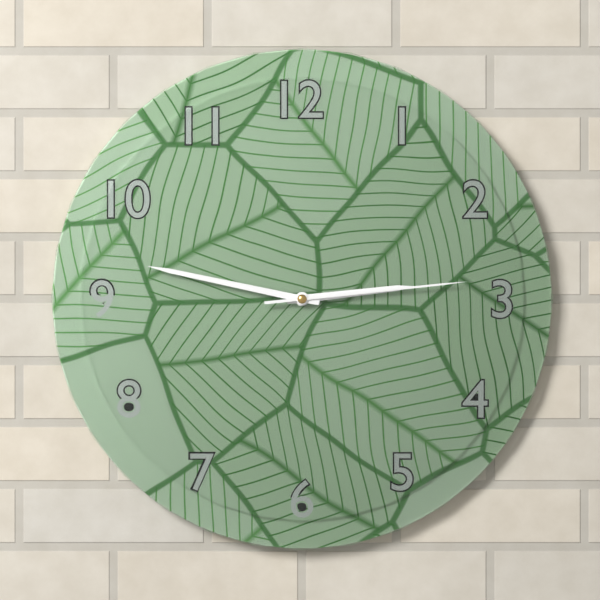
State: 2:47:14
